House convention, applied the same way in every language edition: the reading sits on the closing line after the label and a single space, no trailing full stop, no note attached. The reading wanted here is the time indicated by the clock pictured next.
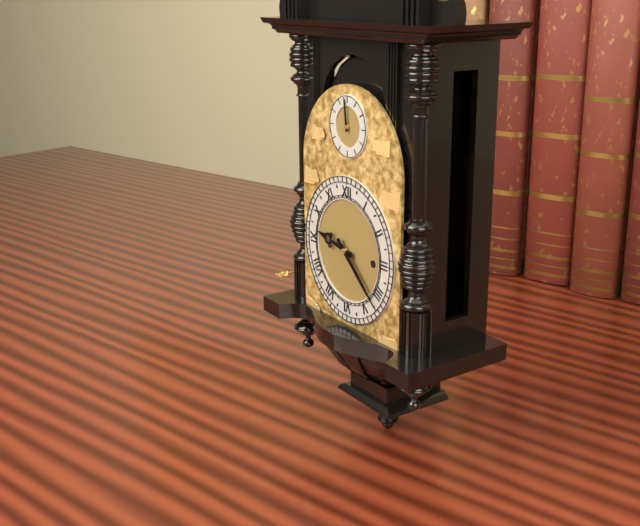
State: 9:22
